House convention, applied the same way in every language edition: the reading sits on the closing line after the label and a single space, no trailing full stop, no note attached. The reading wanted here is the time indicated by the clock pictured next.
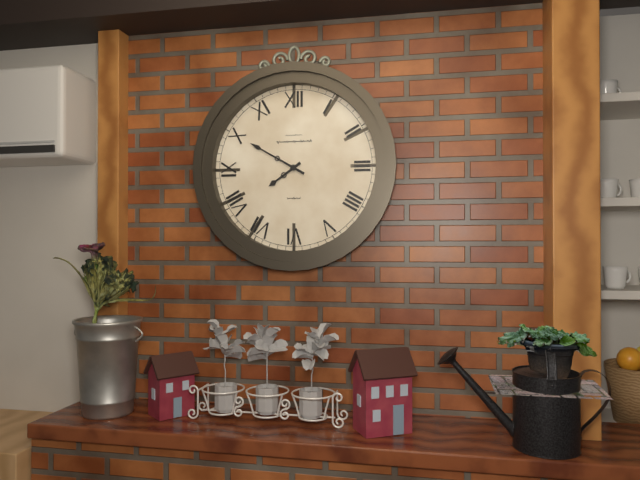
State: 7:50
